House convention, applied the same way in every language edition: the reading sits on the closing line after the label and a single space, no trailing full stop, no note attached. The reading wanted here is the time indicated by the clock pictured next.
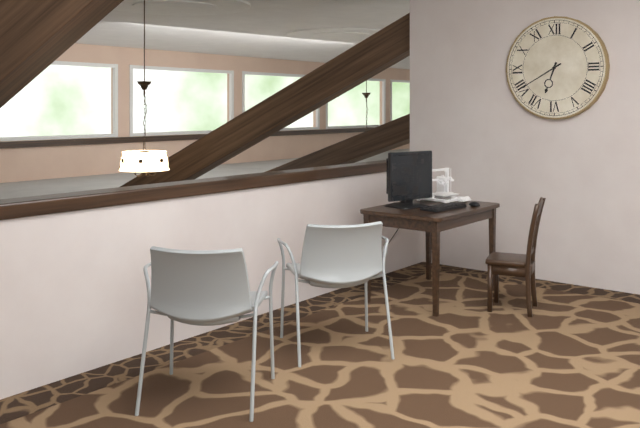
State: 6:40
